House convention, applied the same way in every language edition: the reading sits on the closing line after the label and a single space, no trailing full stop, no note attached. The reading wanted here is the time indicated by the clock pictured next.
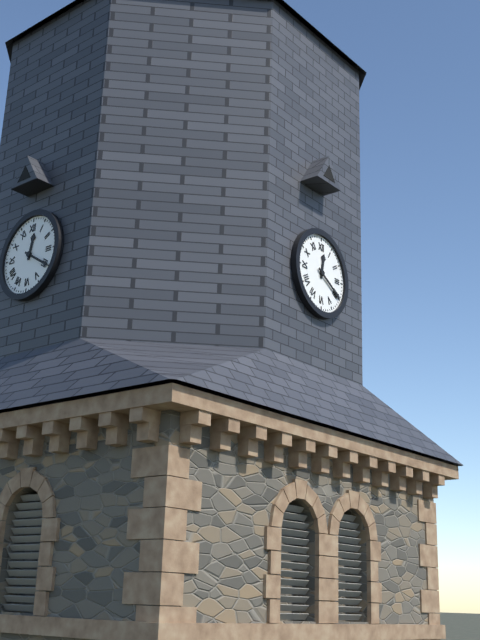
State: 12:20
